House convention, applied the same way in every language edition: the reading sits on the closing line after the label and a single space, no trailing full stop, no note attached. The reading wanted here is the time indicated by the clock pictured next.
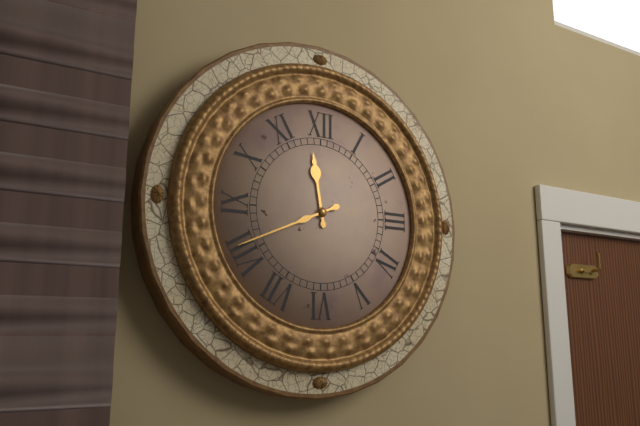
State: 11:41
